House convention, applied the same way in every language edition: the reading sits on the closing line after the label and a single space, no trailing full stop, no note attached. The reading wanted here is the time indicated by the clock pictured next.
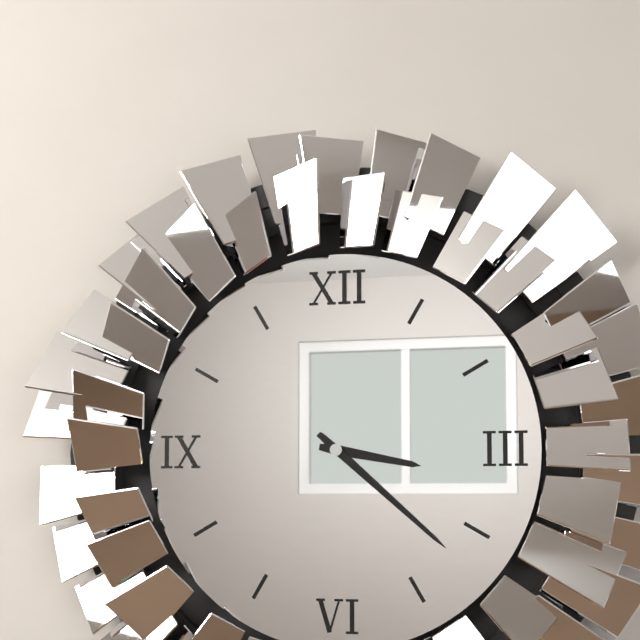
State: 3:22
